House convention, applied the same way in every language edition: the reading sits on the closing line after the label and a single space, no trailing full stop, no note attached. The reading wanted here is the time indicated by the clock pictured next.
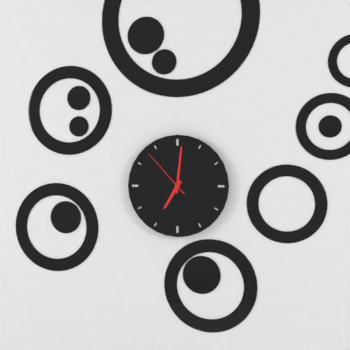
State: 7:01:53
